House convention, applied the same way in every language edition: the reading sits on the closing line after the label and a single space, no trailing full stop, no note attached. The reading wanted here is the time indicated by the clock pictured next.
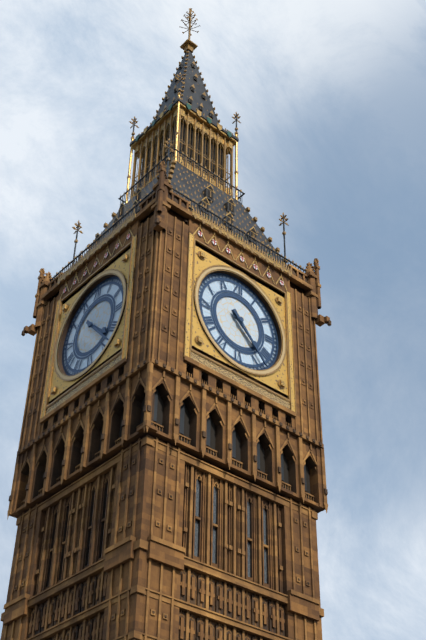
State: 4:23
